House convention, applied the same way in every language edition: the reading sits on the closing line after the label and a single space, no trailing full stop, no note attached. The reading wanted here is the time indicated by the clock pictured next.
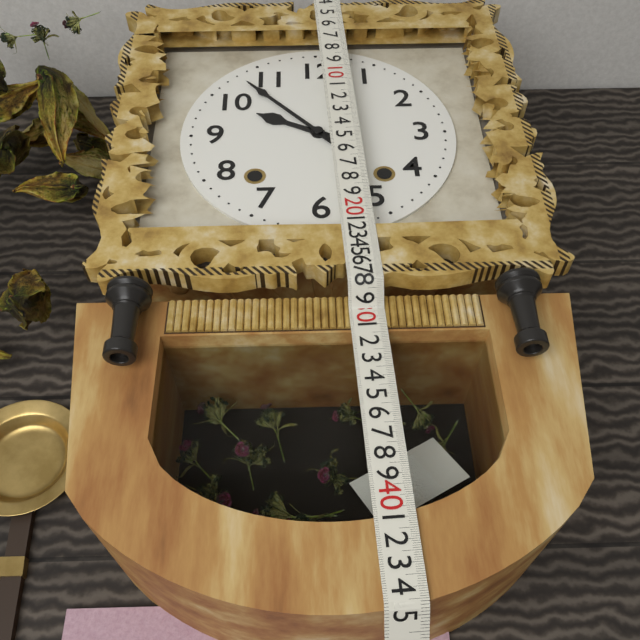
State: 9:53
